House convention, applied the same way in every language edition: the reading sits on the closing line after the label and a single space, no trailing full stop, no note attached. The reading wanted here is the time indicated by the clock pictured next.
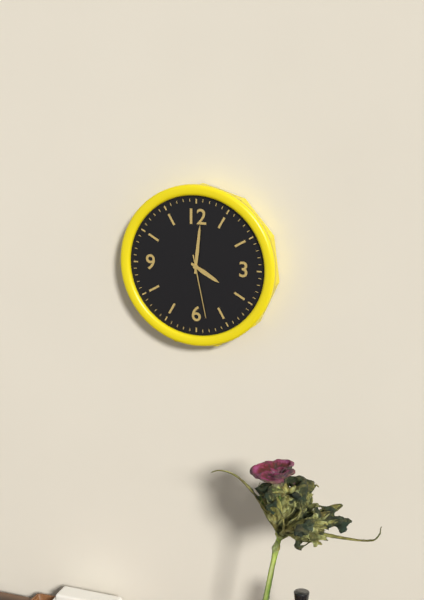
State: 4:01:28
